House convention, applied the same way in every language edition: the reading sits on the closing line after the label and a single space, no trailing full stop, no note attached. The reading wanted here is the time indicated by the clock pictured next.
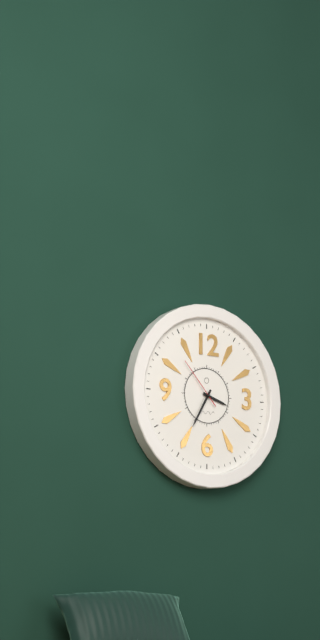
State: 3:35:53
